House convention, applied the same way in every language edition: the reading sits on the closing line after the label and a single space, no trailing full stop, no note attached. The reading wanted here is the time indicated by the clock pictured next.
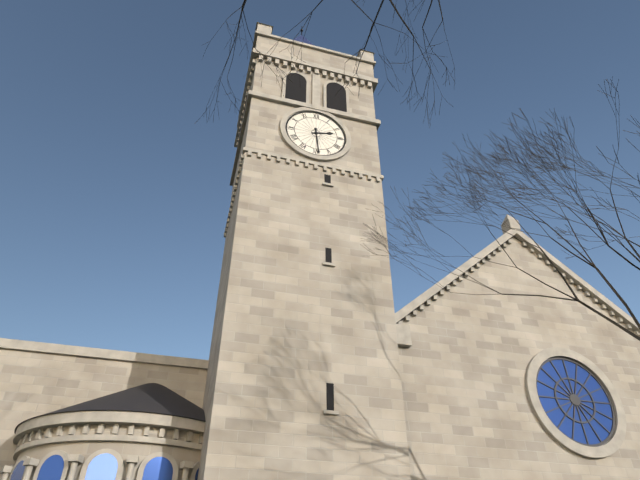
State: 2:29
